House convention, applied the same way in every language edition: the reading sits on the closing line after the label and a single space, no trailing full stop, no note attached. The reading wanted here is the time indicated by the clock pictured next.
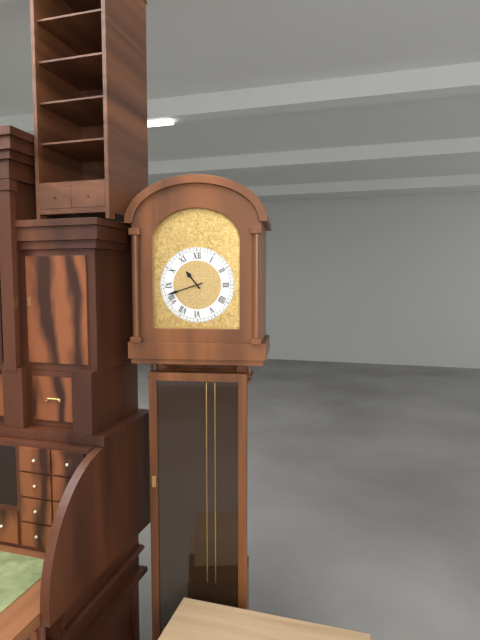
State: 10:42
